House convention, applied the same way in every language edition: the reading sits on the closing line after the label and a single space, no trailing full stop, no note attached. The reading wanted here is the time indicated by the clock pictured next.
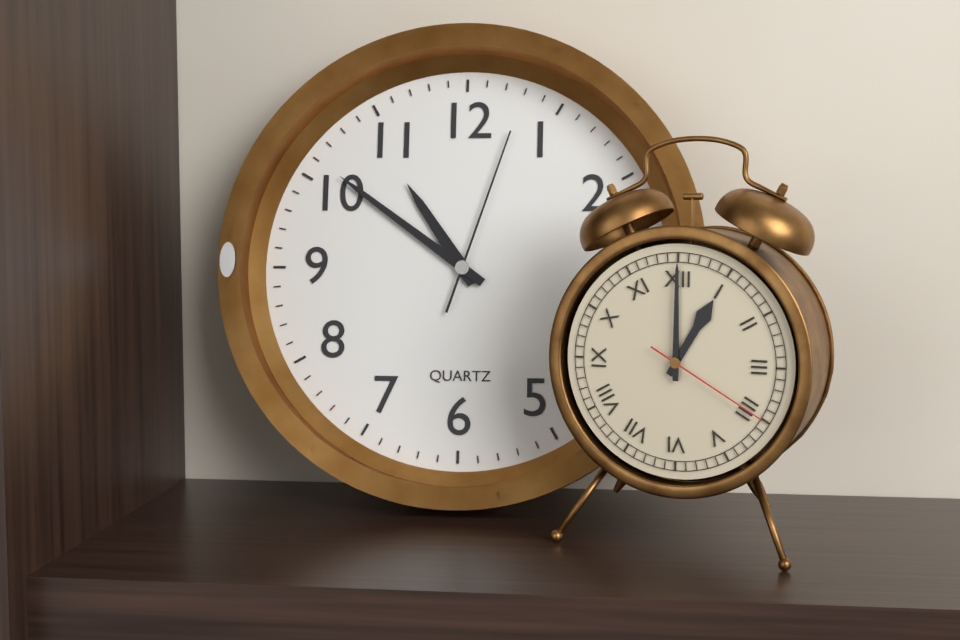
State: 10:51:03
